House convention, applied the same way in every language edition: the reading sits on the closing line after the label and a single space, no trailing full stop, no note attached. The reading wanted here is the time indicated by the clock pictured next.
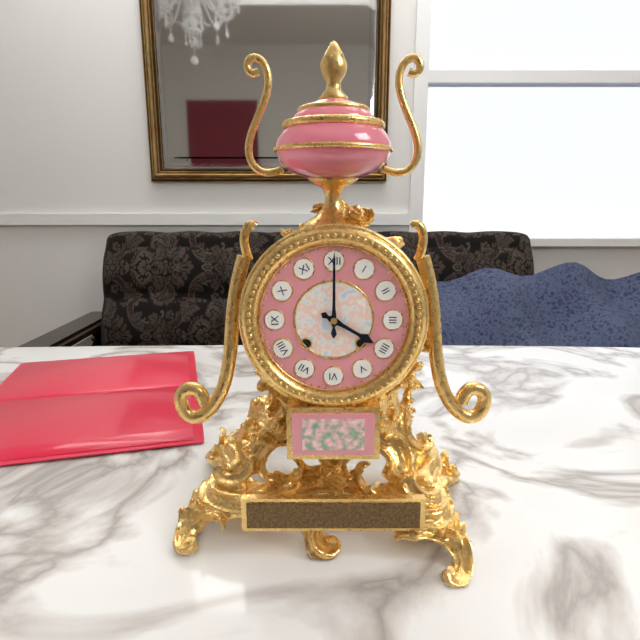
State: 4:00
